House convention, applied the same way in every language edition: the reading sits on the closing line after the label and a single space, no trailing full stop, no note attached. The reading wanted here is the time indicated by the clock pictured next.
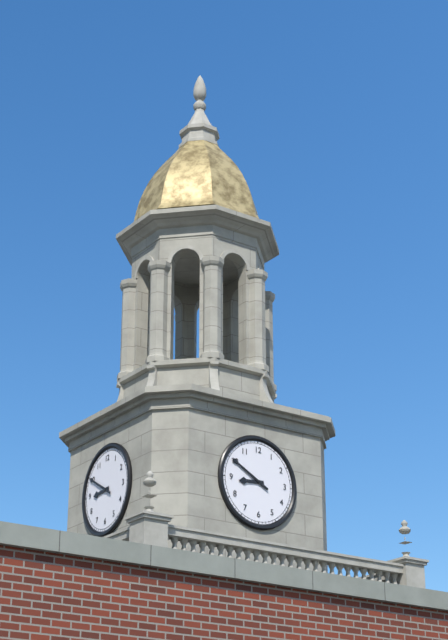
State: 8:50
